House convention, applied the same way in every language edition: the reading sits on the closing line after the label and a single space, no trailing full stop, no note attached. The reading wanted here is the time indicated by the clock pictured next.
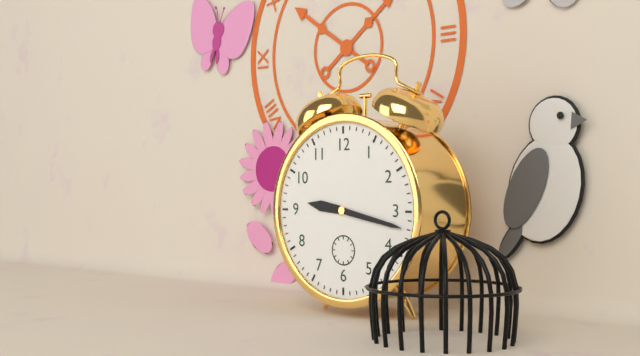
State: 9:17
